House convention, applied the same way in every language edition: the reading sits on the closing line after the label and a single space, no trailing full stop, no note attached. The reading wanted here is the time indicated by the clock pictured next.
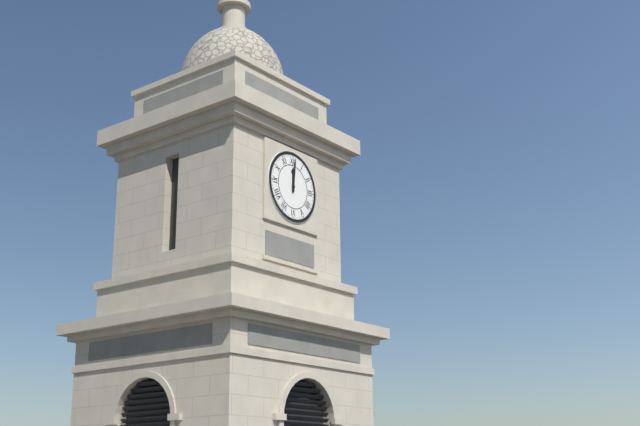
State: 12:01
